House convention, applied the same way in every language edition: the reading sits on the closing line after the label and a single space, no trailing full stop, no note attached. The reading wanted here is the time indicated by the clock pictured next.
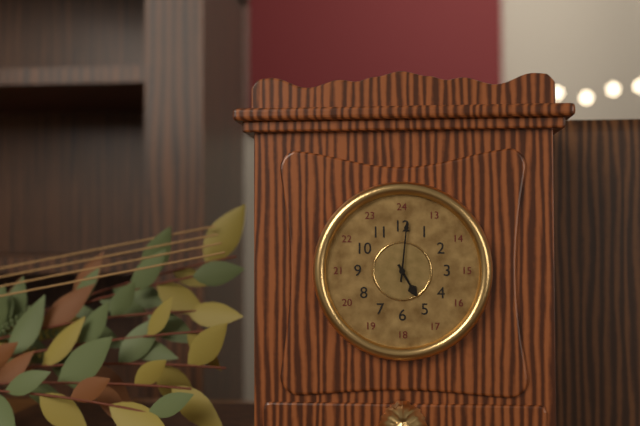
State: 5:01
